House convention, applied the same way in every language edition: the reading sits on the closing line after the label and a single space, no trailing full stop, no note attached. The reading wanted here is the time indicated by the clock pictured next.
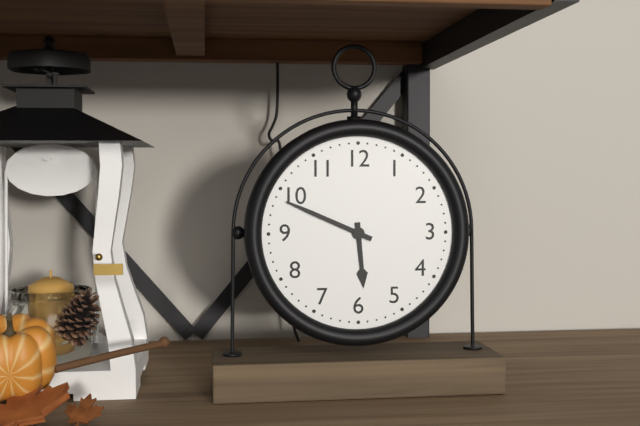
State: 5:49
